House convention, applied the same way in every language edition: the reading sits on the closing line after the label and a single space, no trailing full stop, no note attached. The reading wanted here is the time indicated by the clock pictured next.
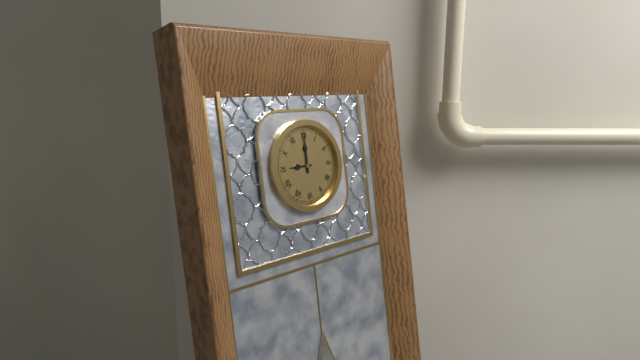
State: 9:00
